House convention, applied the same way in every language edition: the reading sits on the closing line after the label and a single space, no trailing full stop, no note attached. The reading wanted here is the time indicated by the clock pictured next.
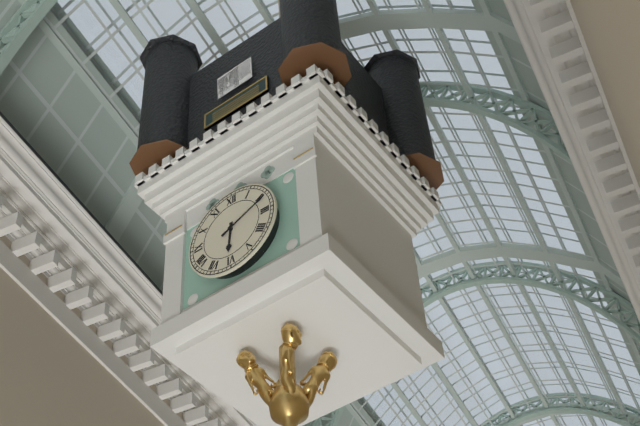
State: 6:11
